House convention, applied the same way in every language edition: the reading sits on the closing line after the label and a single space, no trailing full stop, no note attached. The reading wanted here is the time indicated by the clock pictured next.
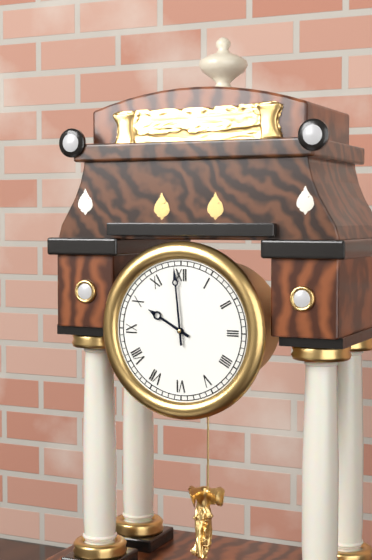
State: 9:59
